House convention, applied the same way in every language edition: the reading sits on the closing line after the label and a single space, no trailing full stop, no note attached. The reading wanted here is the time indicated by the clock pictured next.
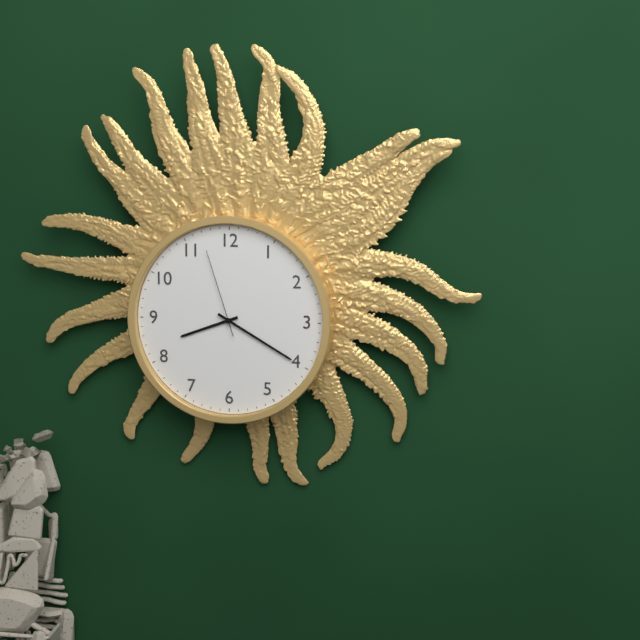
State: 8:20:57
